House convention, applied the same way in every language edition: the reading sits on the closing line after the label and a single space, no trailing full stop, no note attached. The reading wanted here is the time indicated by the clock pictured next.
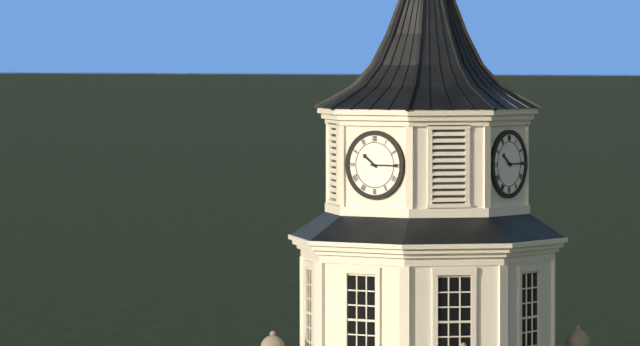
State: 10:15
